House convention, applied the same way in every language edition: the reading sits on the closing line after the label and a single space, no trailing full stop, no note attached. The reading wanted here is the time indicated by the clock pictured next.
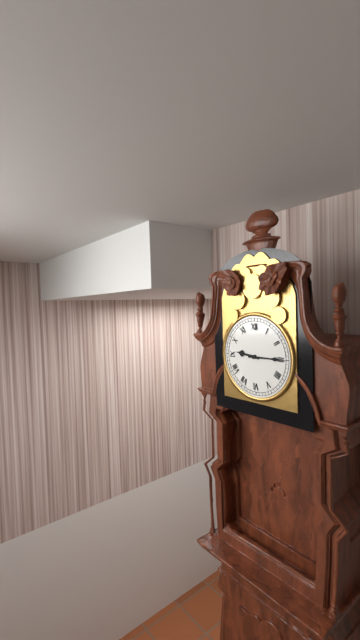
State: 9:15
